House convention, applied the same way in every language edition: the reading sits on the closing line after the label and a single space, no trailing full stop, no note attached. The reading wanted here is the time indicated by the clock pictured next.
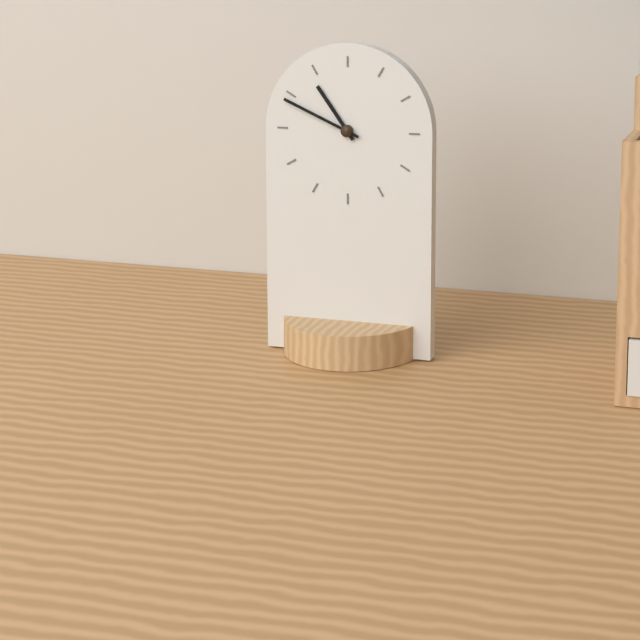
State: 10:49
